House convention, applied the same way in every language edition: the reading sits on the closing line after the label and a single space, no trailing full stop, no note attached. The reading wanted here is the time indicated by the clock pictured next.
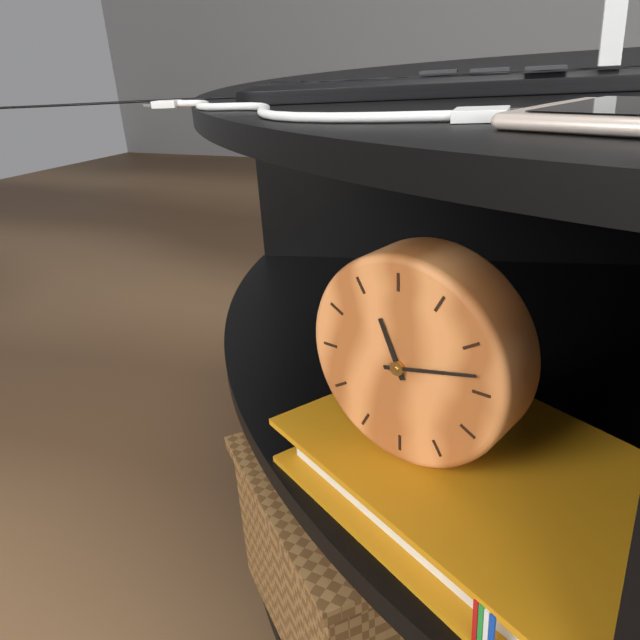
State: 11:13
